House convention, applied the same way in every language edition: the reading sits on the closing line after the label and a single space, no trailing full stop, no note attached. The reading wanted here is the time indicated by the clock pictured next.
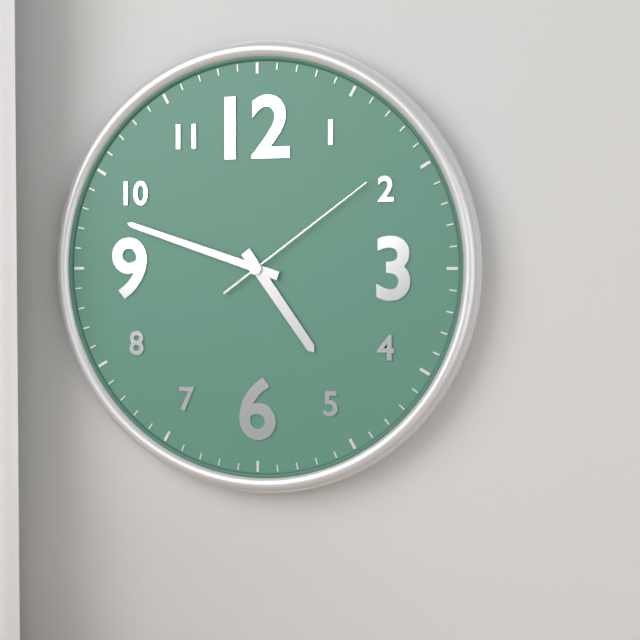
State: 4:48:09
